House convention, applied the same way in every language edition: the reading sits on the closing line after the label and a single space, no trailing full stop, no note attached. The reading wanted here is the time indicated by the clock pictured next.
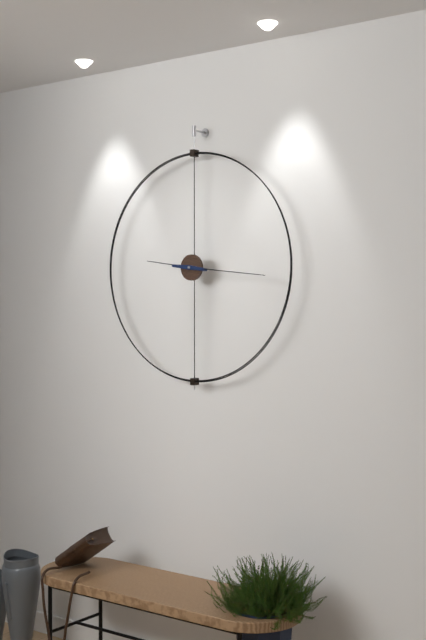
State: 9:16
